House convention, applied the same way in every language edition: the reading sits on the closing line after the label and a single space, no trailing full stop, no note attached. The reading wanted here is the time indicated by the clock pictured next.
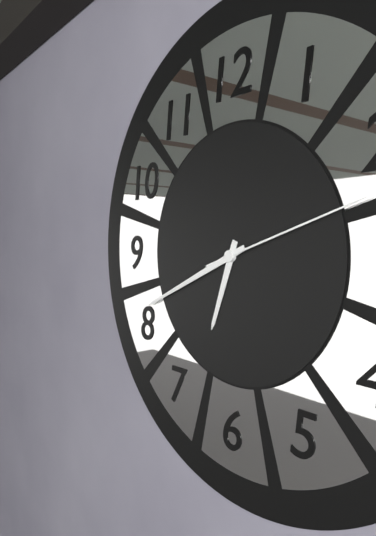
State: 6:41:12
